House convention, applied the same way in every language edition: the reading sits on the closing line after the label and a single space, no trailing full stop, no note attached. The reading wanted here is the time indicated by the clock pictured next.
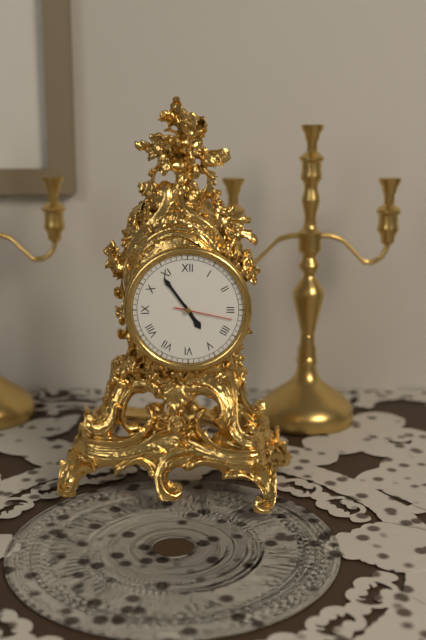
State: 4:54:17
